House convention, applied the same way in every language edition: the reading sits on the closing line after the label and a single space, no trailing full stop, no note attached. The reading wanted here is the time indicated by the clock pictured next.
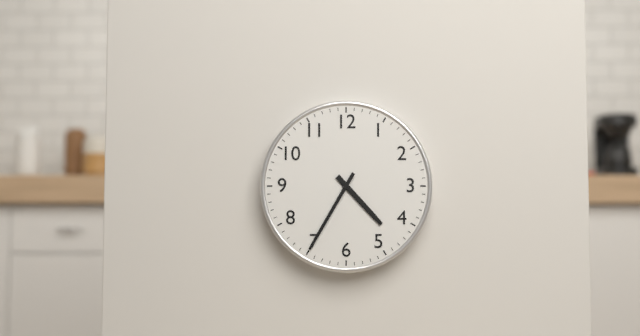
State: 4:35
